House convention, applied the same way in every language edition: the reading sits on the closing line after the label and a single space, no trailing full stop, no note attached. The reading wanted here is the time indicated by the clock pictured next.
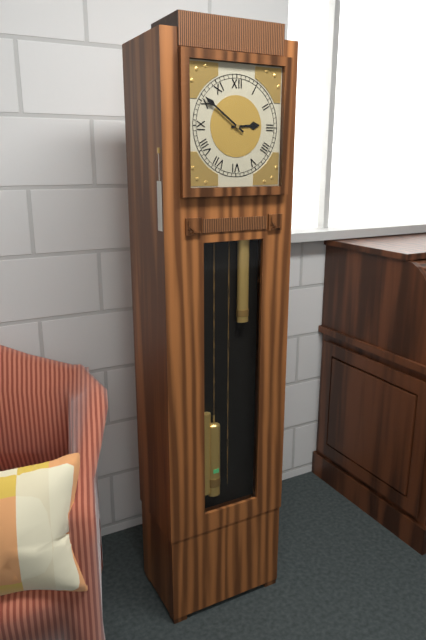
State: 2:51
